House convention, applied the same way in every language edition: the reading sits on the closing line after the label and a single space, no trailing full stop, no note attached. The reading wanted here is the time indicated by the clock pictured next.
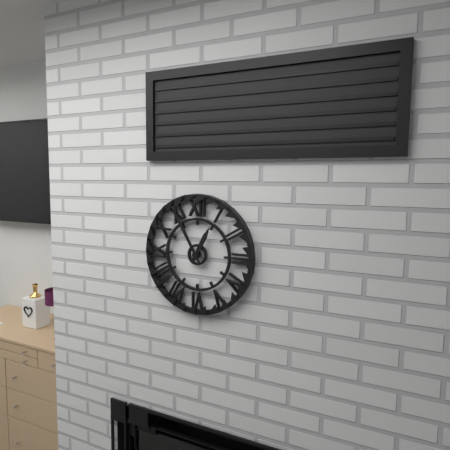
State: 12:55
